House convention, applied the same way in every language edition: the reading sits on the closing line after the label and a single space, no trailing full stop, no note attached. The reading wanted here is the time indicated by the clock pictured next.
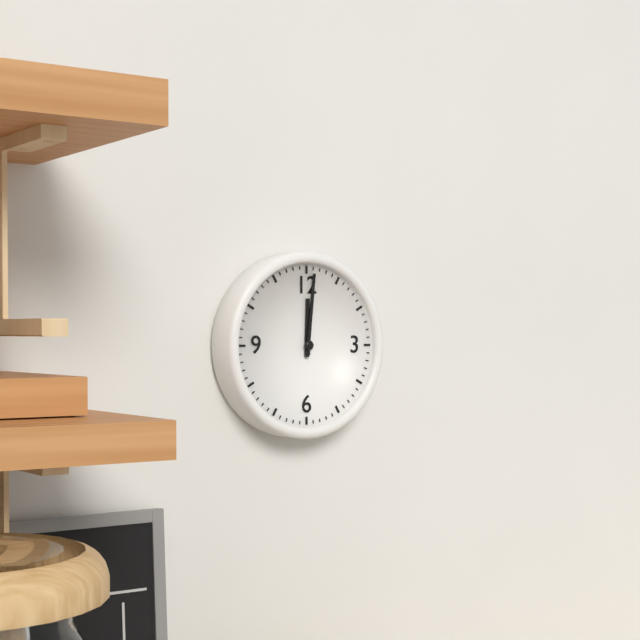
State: 12:01
